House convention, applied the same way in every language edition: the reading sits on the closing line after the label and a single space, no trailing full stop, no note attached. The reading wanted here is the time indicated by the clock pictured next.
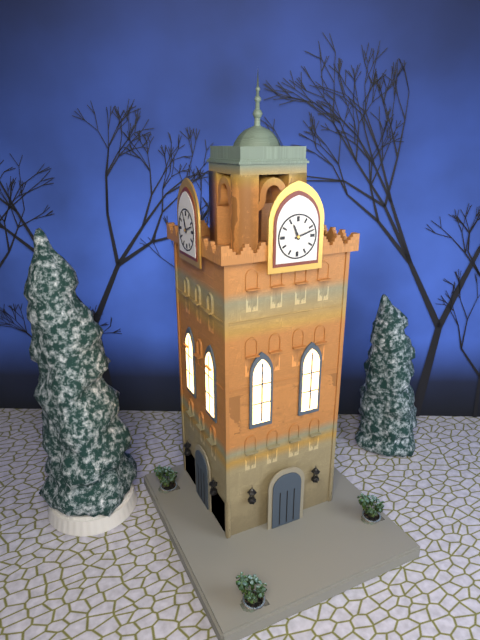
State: 11:12
